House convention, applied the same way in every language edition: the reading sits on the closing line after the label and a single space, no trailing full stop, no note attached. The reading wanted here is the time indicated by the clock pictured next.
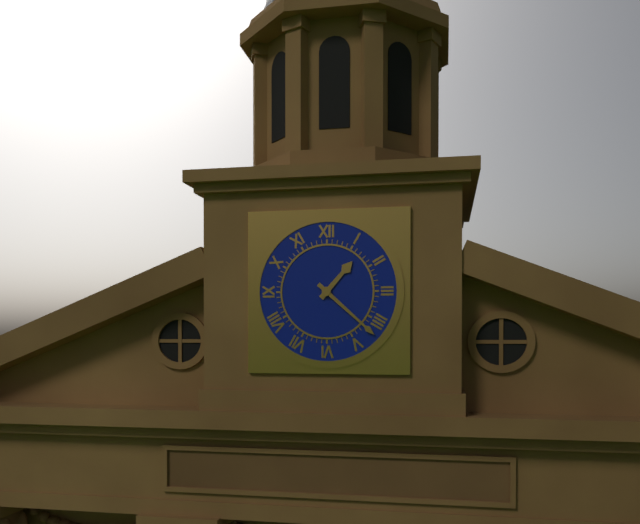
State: 1:22
